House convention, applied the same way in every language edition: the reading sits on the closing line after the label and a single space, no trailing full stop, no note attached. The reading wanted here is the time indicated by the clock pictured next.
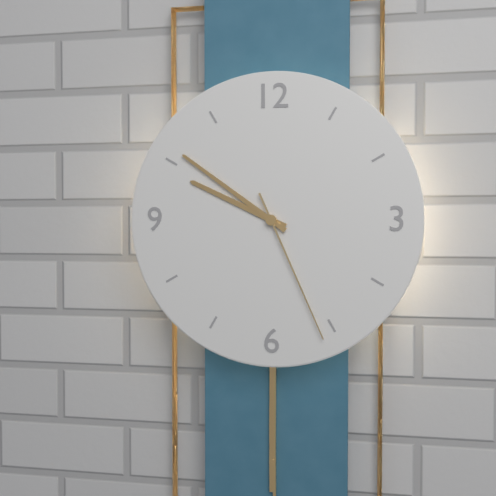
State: 9:51:26
